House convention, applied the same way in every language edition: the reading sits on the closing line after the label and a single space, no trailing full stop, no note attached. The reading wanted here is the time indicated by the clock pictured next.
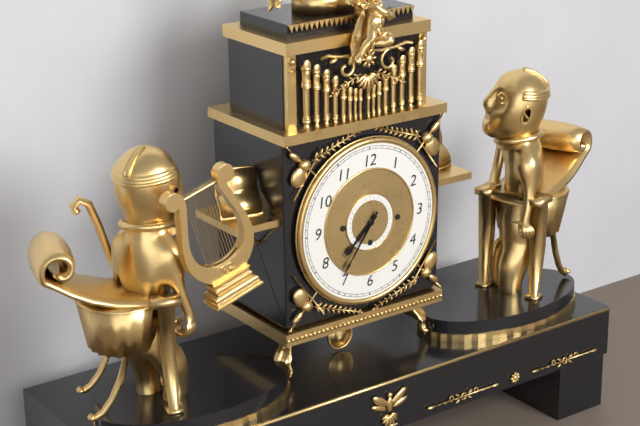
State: 7:36
